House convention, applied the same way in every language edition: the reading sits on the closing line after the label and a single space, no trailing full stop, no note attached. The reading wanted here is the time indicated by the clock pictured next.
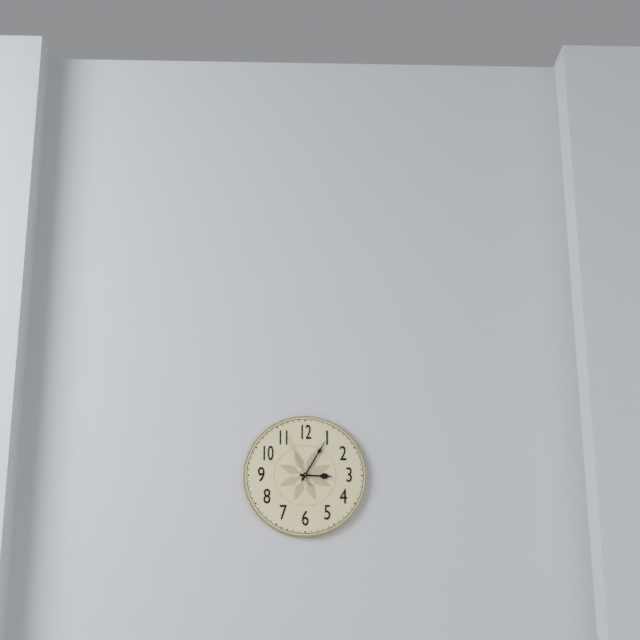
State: 3:05:56
